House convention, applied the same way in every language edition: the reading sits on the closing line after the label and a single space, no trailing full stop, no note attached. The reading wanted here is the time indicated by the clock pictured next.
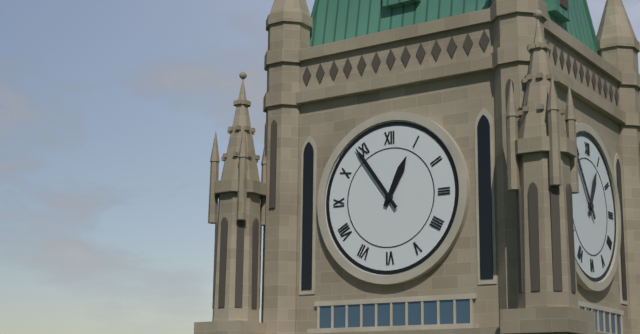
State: 12:54
